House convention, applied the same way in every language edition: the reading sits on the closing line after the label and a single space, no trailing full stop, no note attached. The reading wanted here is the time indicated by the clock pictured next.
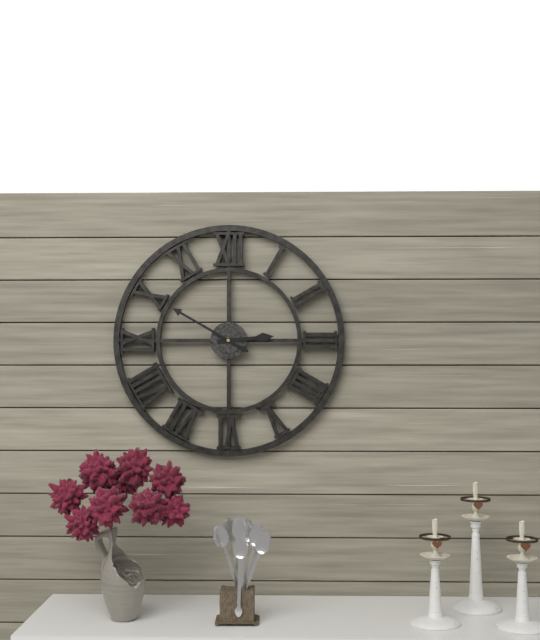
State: 2:50
